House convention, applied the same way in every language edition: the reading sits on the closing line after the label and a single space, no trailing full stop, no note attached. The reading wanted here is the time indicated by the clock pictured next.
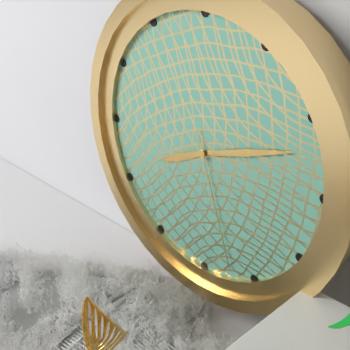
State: 8:12:27
